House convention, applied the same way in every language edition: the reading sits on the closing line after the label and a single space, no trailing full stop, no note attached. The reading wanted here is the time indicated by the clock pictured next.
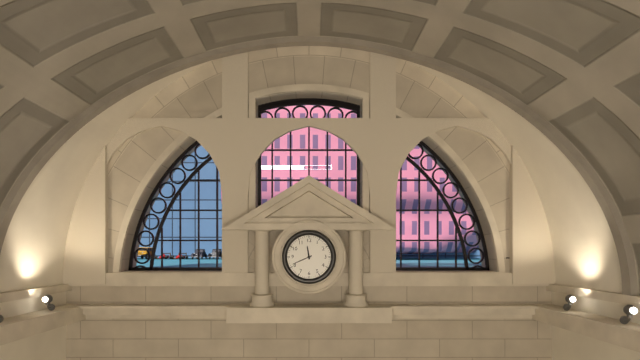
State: 11:41
